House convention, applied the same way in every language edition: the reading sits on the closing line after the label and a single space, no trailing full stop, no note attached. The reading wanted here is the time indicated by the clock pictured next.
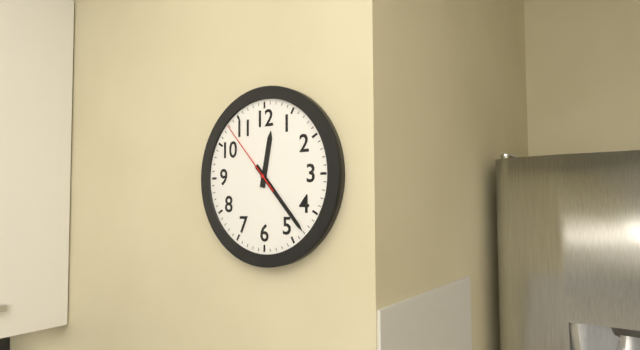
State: 12:23:53
